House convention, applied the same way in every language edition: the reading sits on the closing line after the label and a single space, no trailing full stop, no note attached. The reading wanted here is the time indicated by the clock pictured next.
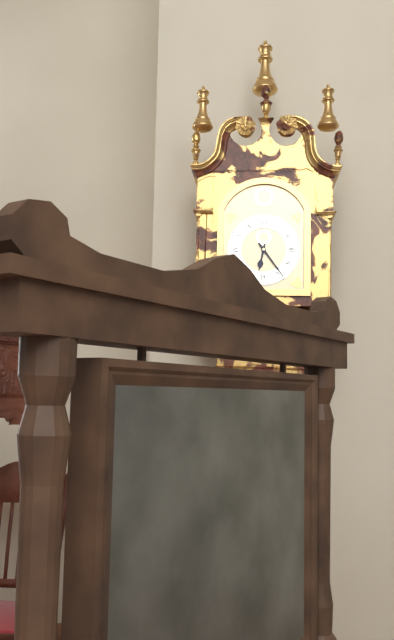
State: 6:24
